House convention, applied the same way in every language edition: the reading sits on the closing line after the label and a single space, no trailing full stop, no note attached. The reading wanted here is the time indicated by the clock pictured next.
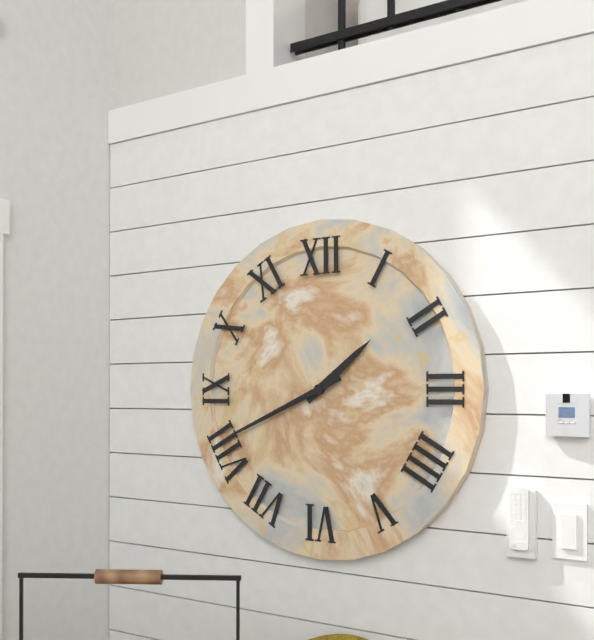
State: 1:41
